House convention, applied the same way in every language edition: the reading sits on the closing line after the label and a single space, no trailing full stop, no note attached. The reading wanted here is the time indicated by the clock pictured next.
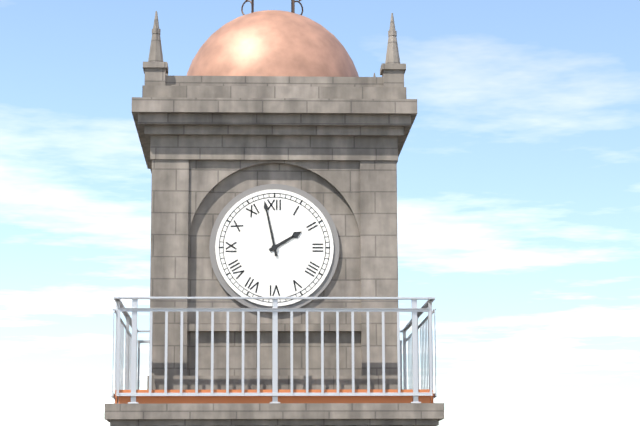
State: 1:58
